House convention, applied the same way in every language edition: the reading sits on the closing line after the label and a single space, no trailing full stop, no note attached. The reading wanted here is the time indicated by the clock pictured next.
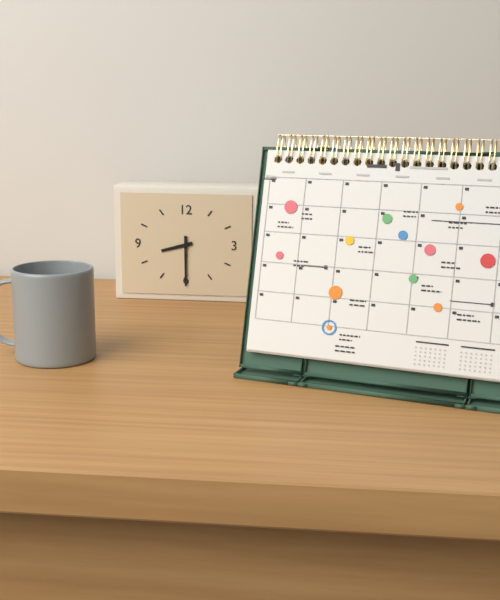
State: 8:30
